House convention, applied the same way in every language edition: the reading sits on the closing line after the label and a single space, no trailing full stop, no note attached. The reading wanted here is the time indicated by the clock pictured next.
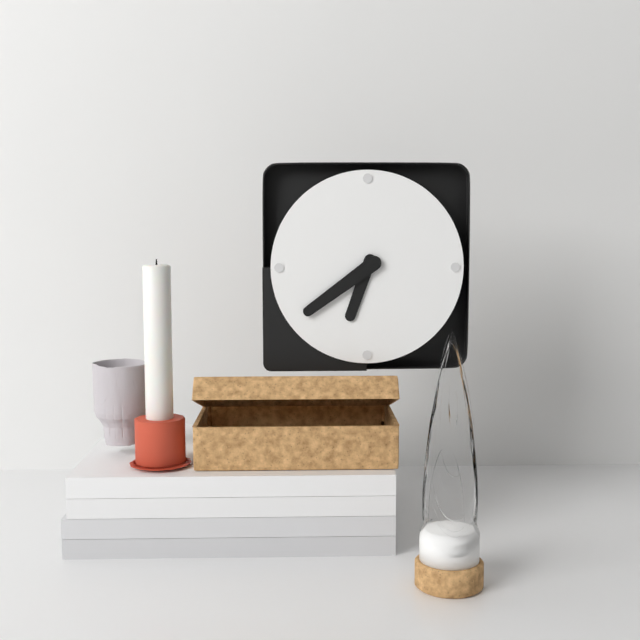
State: 6:39
